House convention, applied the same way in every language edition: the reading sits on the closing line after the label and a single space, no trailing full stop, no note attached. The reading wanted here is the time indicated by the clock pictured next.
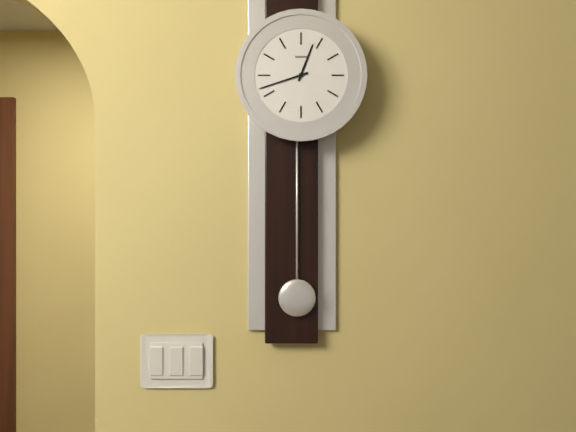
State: 12:42
